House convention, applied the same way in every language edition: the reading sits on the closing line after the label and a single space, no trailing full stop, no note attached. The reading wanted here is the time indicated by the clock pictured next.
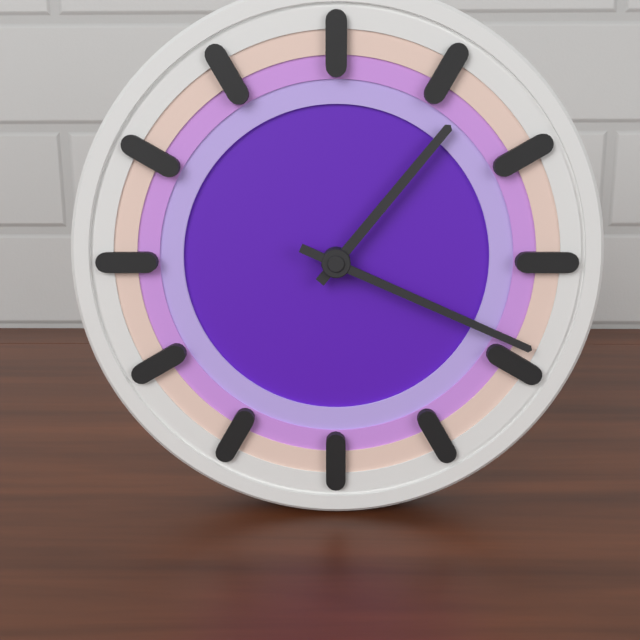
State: 1:19
